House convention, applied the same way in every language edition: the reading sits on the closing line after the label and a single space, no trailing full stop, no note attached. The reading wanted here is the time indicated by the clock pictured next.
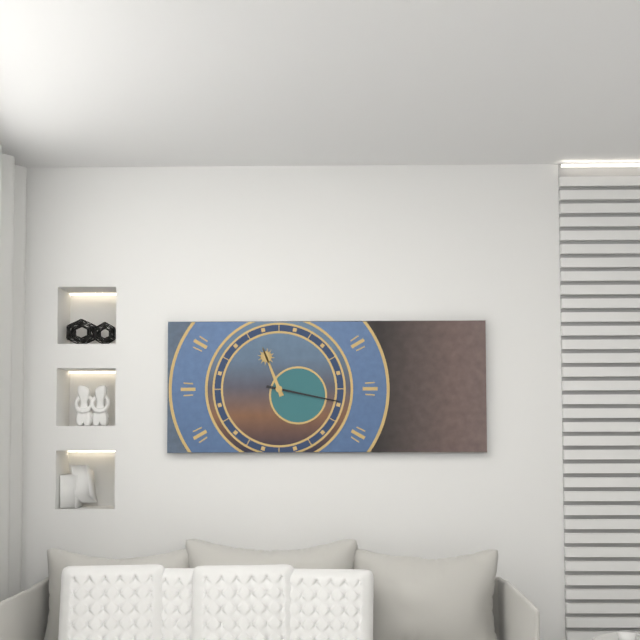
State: 11:17
